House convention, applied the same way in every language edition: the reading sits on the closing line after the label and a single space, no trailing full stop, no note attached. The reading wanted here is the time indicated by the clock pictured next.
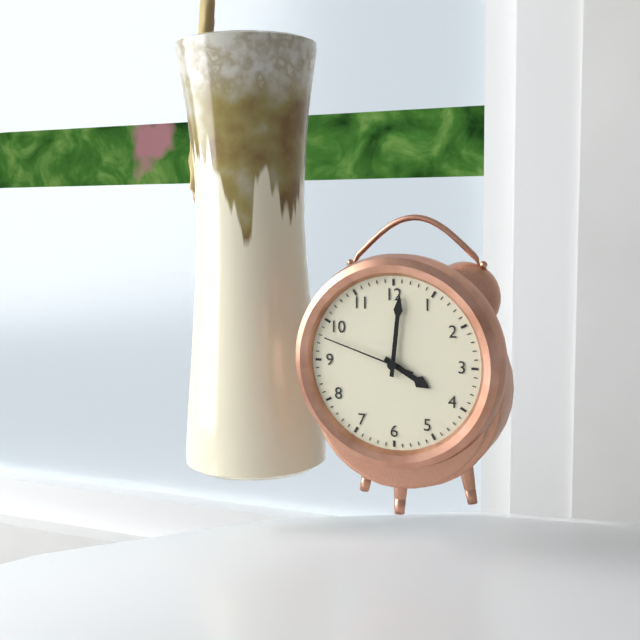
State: 4:01:48
